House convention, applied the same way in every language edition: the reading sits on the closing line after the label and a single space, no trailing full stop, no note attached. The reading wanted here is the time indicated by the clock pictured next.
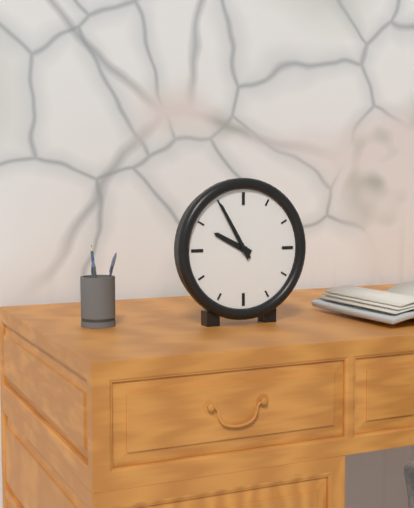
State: 9:55
